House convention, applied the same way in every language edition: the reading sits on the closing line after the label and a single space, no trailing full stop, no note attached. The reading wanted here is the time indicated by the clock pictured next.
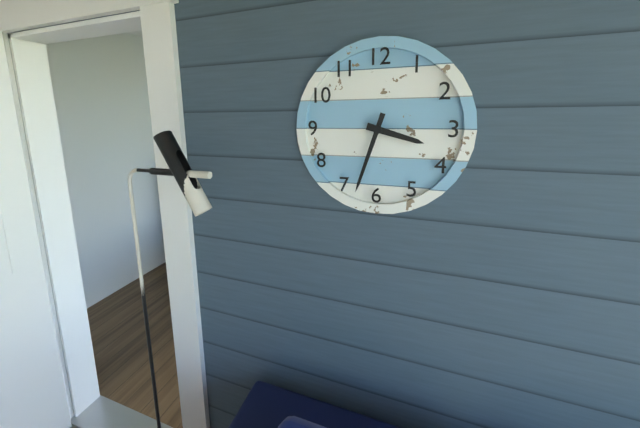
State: 3:33
